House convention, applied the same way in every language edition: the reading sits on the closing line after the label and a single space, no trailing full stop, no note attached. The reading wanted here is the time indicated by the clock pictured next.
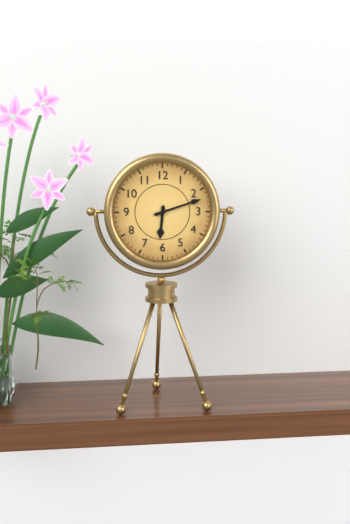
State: 6:12
